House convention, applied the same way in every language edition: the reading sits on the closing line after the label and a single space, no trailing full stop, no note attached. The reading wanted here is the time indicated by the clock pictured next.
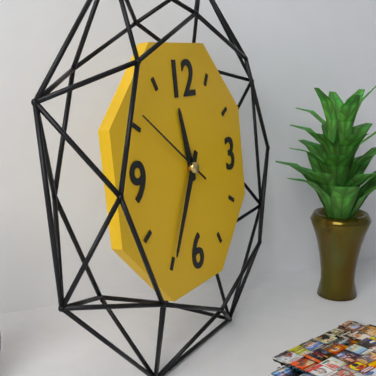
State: 11:35:51
